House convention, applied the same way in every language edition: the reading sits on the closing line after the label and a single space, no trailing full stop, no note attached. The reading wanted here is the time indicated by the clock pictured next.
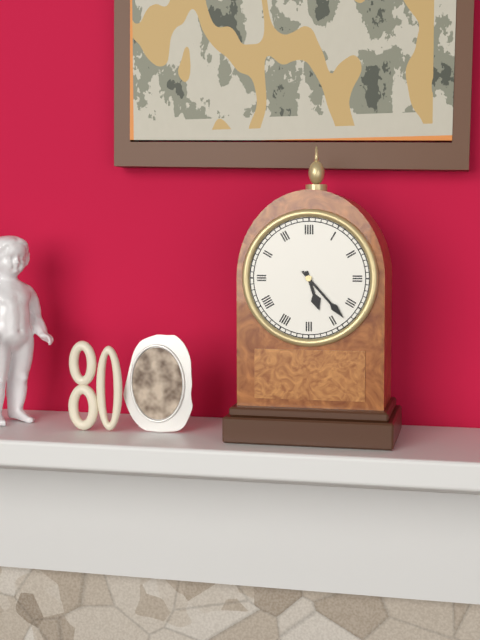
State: 5:23
